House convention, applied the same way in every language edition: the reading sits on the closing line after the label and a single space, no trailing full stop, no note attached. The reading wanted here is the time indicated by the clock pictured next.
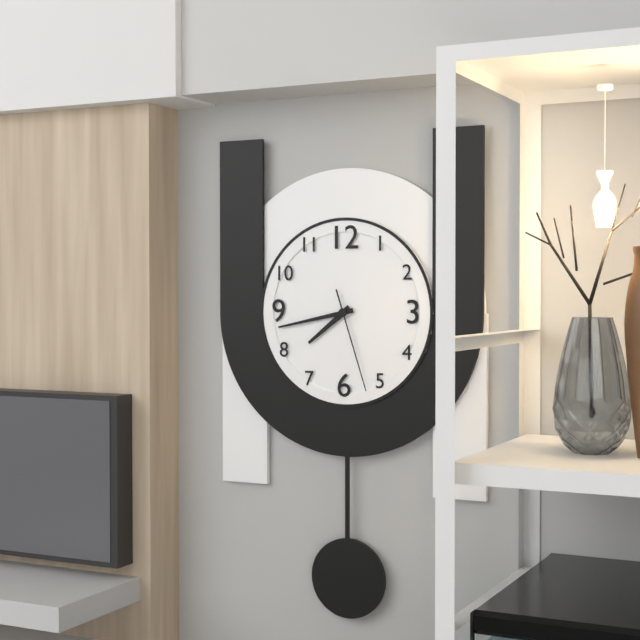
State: 7:43:27
